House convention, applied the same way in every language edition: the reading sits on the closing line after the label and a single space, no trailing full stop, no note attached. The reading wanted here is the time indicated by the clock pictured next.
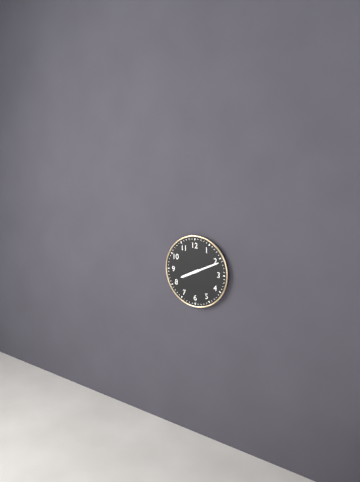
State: 8:11
